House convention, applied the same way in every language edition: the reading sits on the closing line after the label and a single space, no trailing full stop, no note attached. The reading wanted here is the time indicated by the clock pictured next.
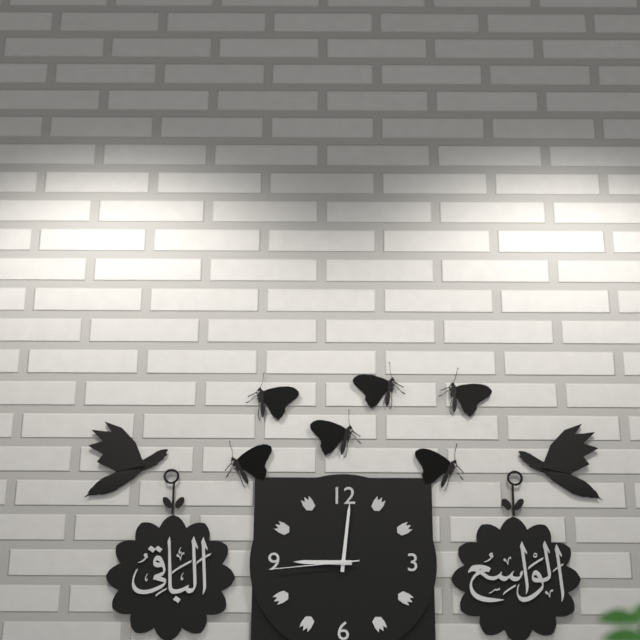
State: 9:01:44
